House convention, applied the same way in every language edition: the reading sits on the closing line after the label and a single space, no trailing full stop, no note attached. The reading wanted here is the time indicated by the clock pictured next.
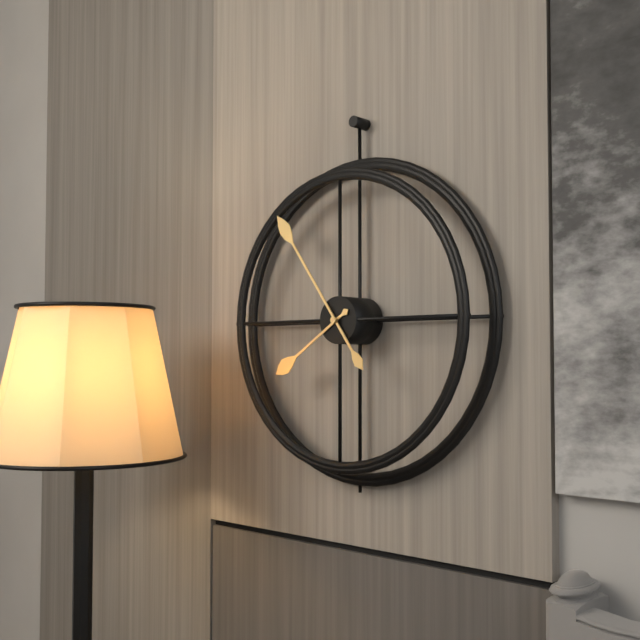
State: 7:54
